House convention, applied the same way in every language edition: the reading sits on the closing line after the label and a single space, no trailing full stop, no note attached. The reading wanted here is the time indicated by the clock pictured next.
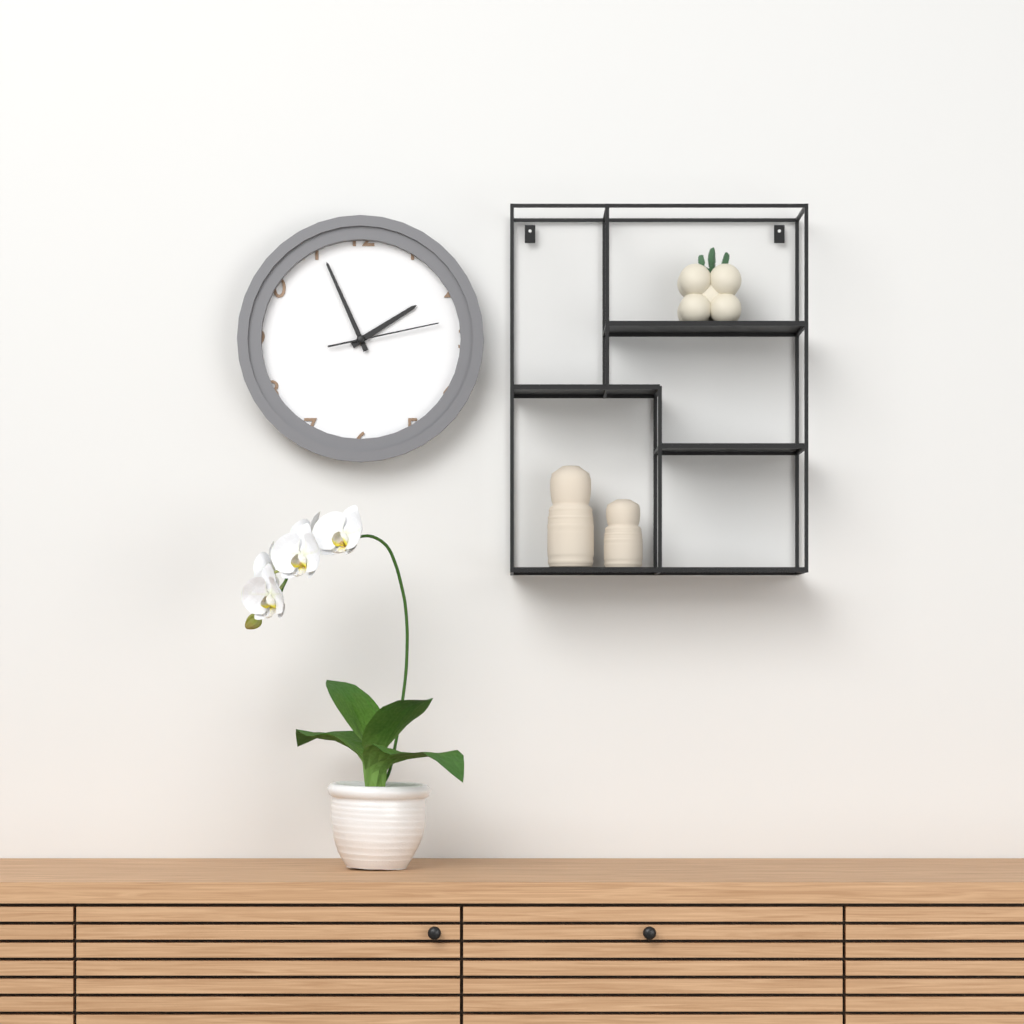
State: 1:56:13
